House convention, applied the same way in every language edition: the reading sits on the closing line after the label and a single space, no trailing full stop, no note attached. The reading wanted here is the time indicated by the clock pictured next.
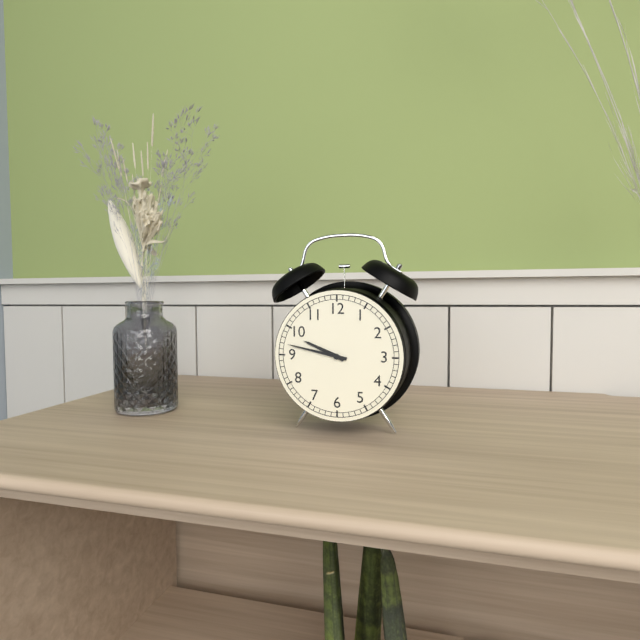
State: 9:47
